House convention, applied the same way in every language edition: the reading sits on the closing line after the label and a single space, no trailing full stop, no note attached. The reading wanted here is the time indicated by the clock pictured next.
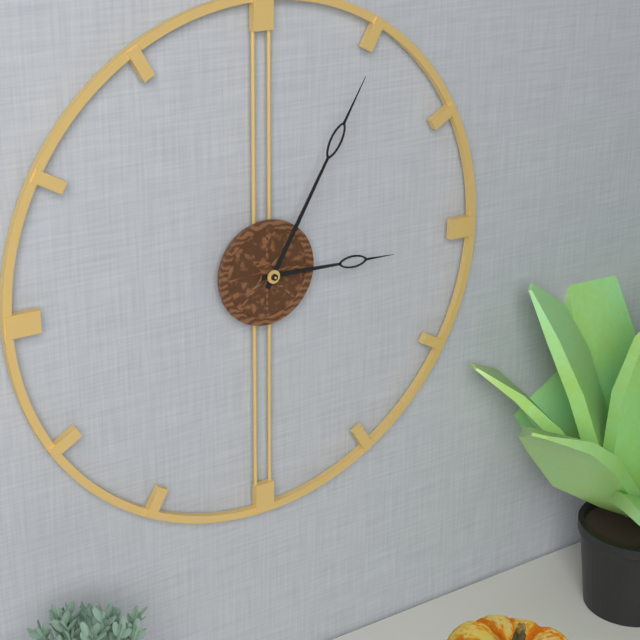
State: 3:05
